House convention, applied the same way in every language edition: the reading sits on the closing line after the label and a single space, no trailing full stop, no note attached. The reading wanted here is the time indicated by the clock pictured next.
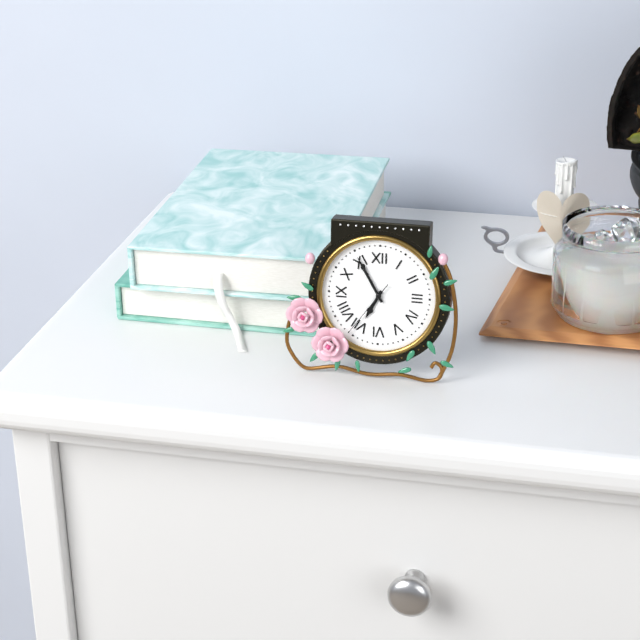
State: 6:55:36
